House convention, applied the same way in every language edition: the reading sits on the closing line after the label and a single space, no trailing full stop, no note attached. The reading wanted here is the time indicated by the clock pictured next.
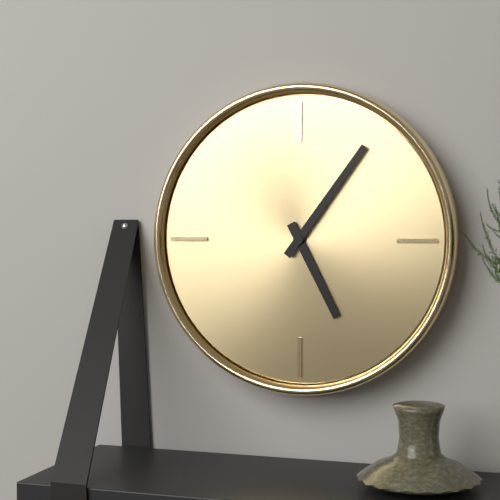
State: 5:06
